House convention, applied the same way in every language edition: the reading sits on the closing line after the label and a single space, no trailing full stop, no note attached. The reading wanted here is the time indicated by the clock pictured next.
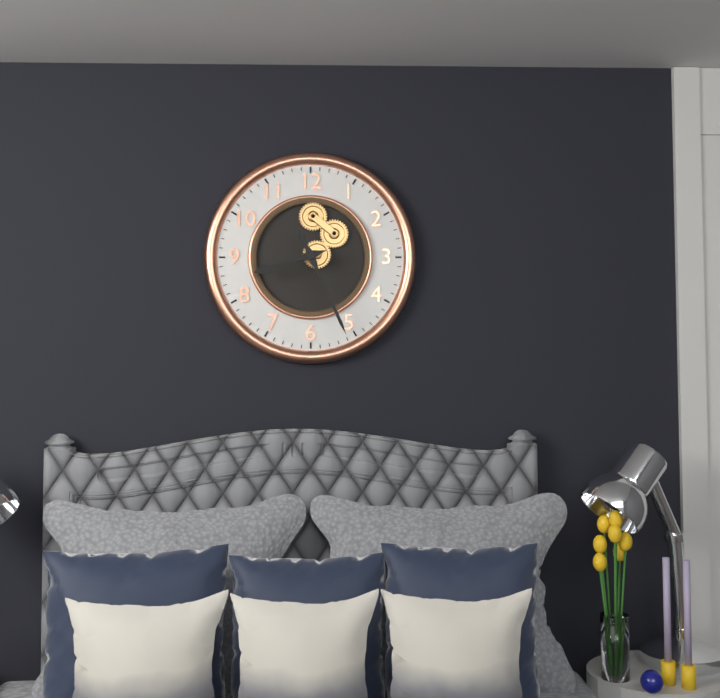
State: 8:26
